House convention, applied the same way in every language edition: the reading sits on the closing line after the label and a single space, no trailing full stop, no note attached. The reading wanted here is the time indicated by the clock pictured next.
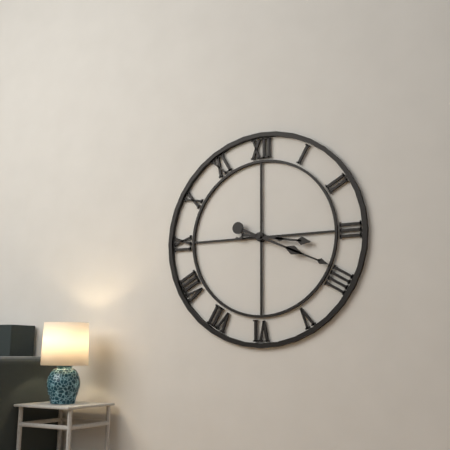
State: 3:19
